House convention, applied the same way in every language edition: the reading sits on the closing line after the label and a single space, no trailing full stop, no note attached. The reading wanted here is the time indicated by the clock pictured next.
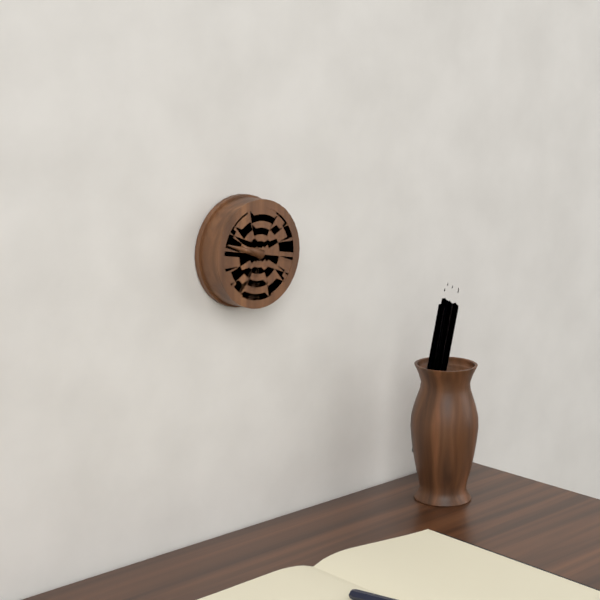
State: 9:48
